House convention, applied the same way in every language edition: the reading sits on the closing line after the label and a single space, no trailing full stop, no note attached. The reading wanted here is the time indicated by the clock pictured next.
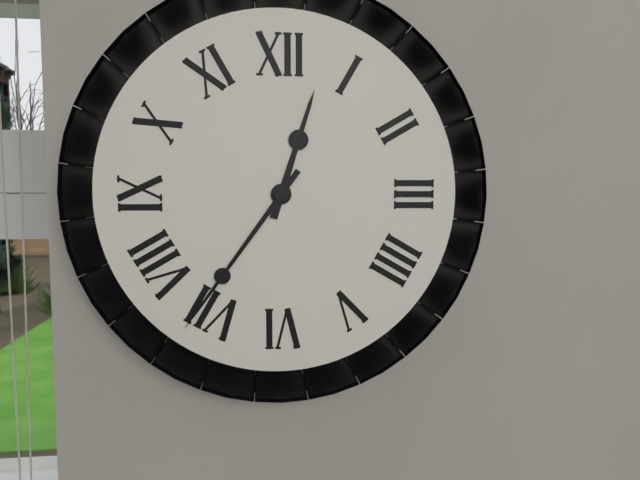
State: 12:36
